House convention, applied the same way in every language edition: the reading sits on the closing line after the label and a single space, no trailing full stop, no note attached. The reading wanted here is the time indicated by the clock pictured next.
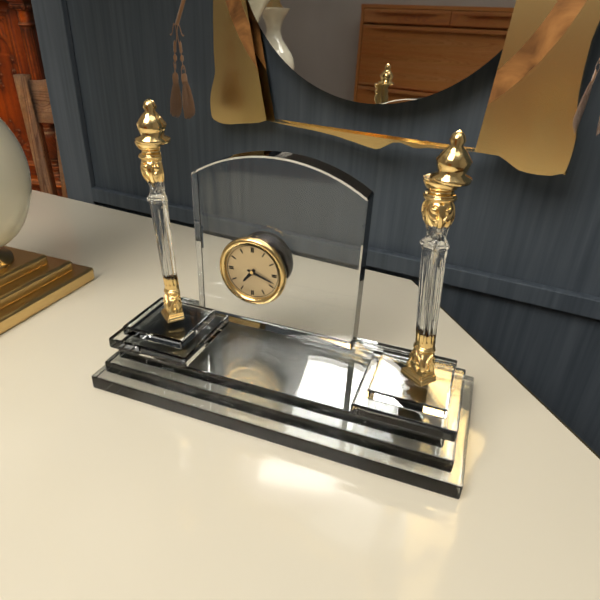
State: 7:18
